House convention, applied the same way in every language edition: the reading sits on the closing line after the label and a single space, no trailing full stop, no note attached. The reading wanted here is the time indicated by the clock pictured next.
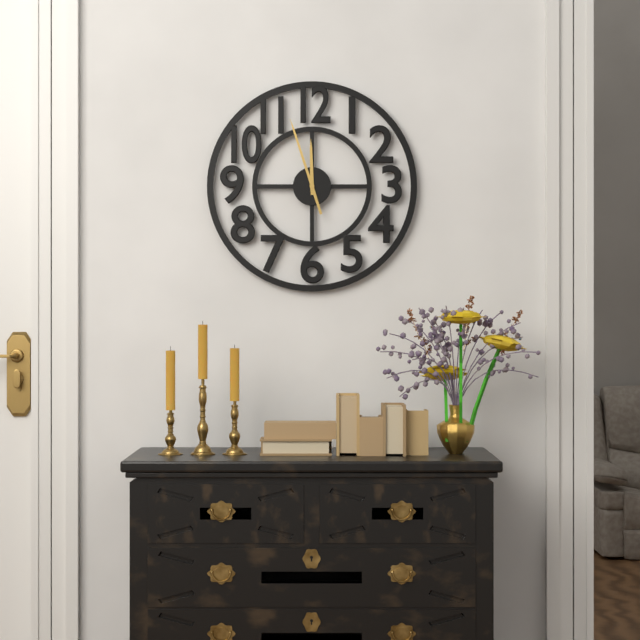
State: 11:57
